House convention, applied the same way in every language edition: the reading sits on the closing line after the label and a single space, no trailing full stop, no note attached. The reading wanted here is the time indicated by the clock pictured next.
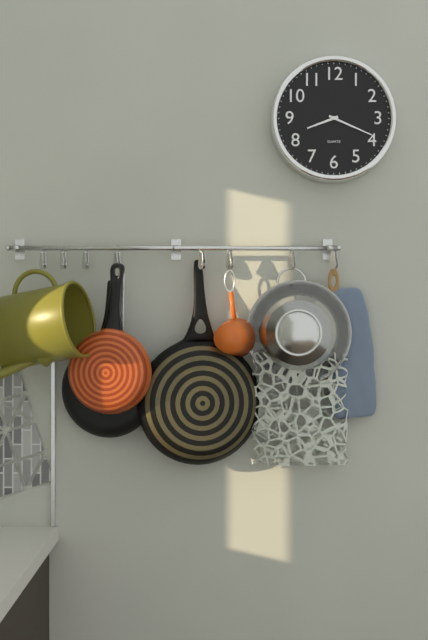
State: 8:19
